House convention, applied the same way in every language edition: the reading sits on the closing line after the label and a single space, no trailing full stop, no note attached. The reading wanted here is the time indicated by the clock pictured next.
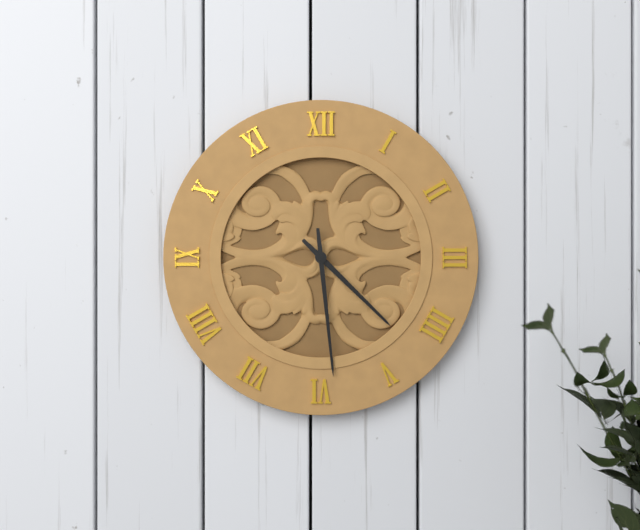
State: 4:29
